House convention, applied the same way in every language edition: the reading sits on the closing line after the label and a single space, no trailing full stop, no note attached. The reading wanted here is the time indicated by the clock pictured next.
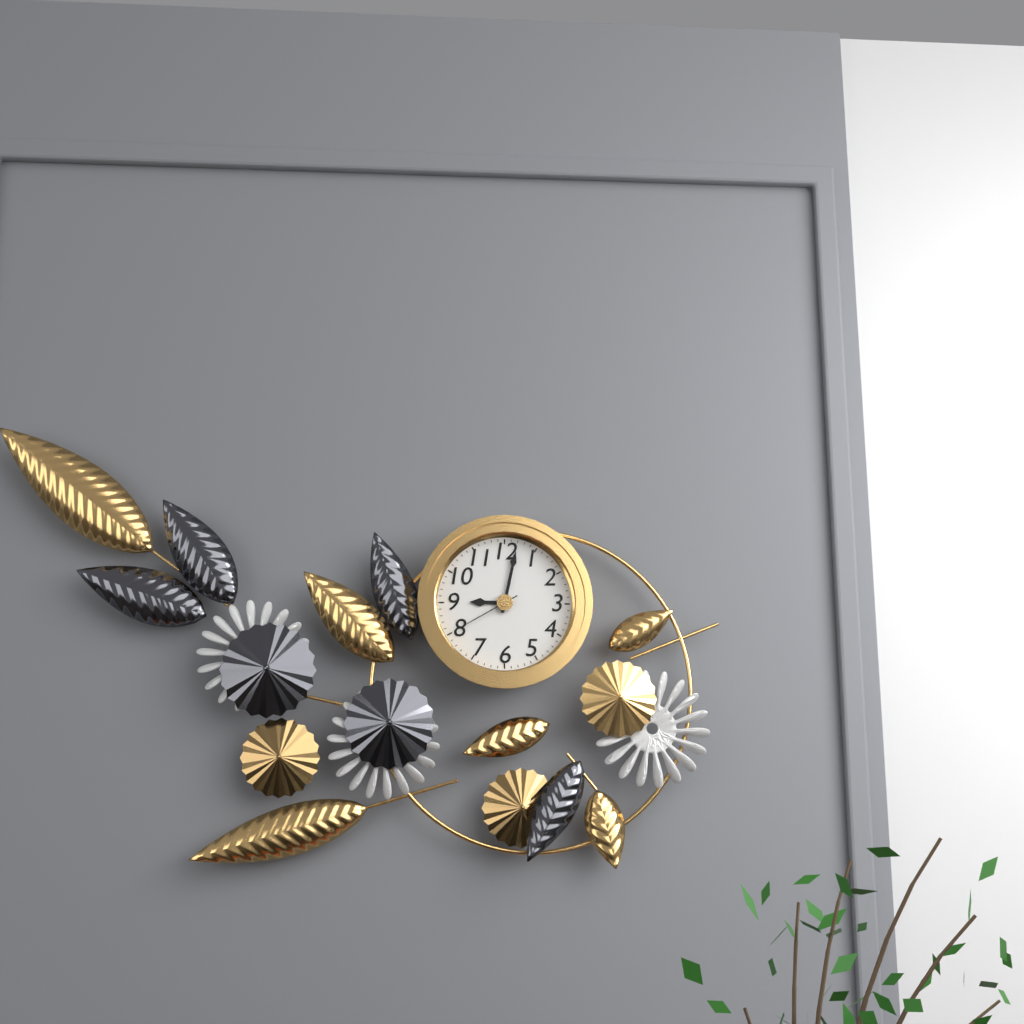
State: 9:02:40
